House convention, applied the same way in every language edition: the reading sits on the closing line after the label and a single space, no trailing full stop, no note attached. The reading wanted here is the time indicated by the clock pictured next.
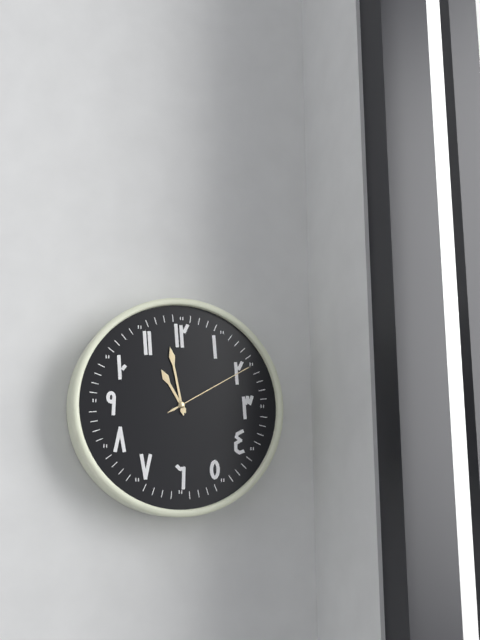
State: 10:58:10
